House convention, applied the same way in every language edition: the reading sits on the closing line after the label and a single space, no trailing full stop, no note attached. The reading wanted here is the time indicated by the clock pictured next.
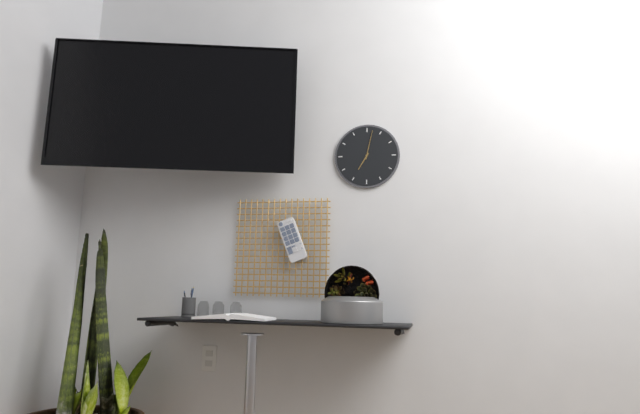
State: 7:02
